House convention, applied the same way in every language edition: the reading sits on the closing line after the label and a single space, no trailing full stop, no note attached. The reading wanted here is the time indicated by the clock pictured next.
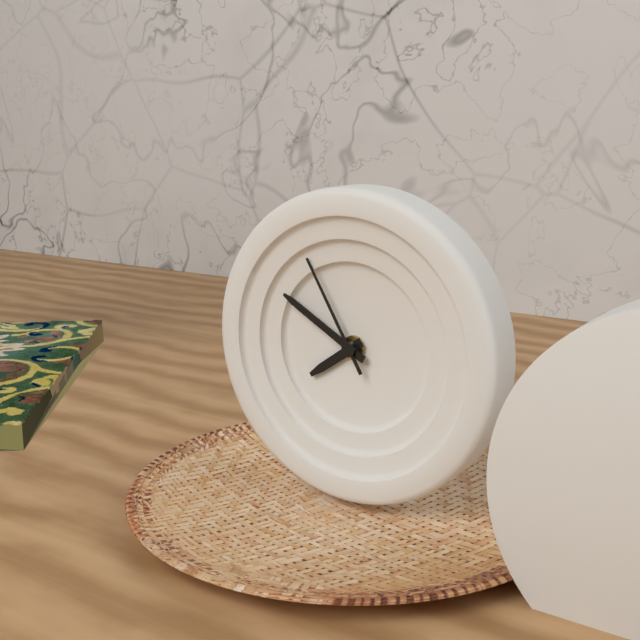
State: 7:50:55
